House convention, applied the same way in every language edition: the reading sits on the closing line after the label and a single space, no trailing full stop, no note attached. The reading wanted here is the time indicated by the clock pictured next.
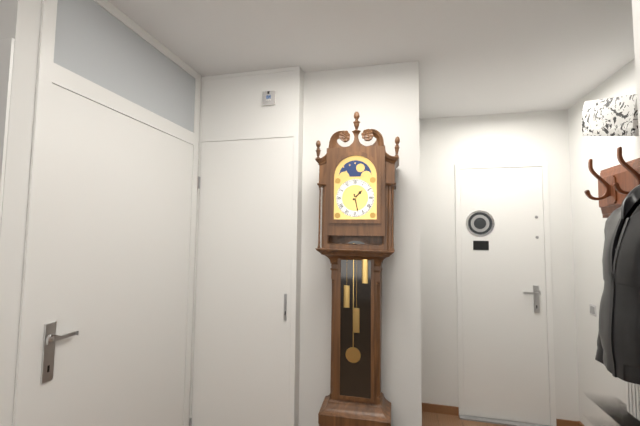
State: 1:28
